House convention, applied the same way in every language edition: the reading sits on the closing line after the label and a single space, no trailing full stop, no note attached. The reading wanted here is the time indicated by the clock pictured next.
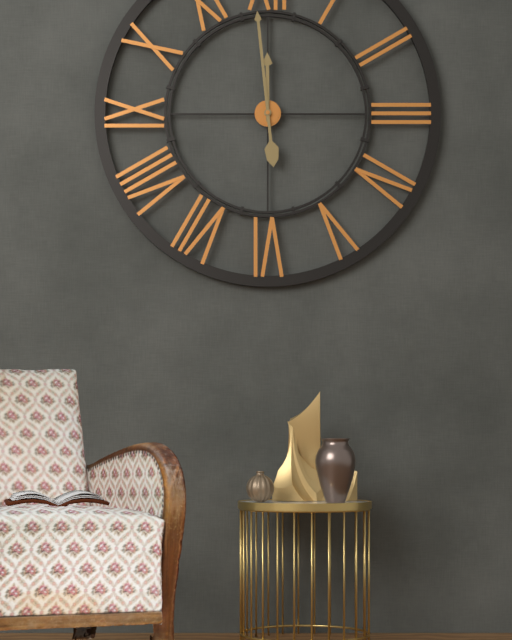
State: 11:59
